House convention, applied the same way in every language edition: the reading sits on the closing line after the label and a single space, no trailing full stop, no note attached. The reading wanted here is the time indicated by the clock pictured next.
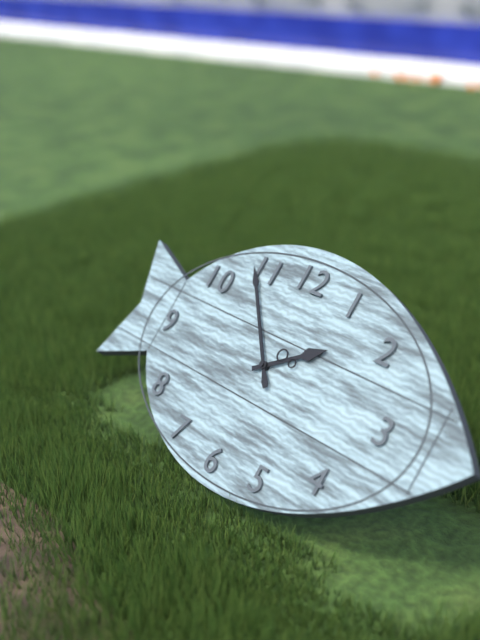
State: 1:53
